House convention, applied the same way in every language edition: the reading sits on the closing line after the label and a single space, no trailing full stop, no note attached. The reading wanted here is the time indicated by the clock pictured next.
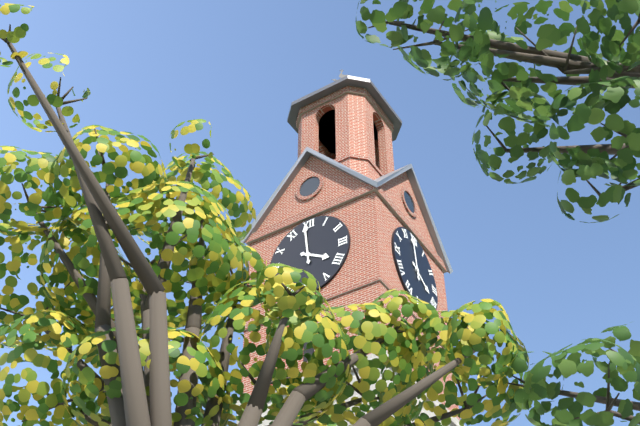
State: 3:59
